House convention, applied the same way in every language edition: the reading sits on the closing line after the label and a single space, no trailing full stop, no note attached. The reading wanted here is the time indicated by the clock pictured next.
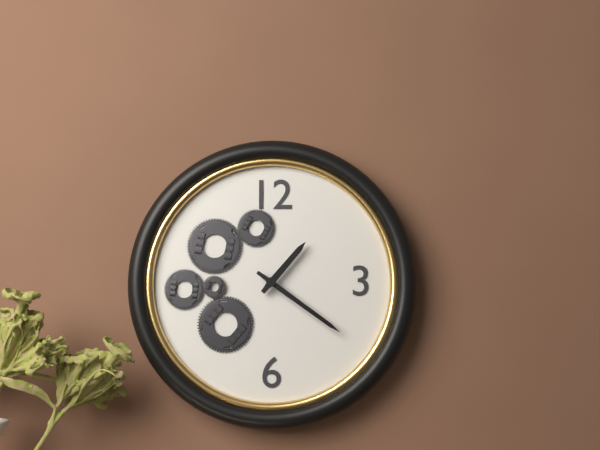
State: 1:21
